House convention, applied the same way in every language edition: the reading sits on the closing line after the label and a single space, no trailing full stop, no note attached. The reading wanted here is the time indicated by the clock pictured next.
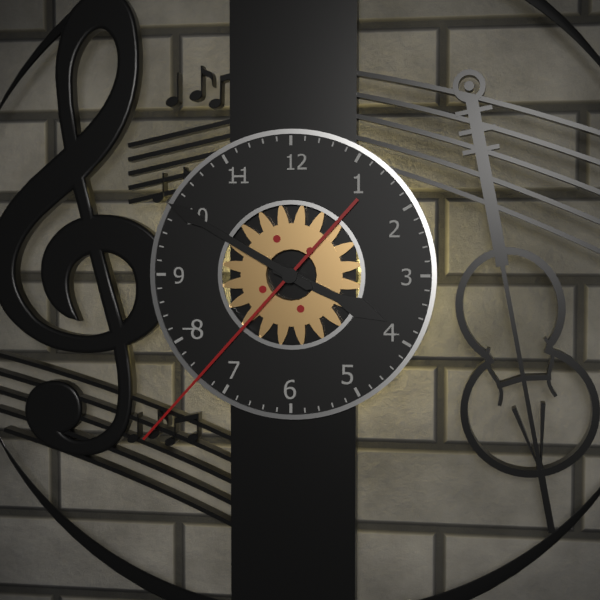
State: 3:50:37
